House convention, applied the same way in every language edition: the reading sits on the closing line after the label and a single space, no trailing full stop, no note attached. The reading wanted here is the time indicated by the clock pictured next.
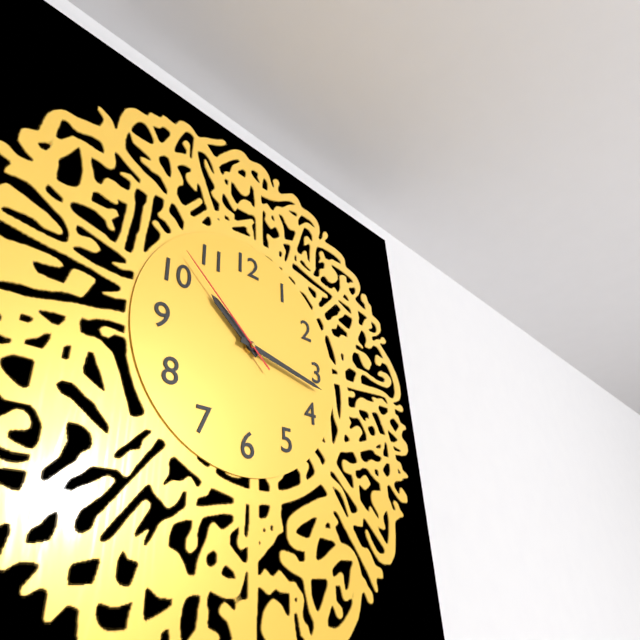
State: 10:17:52
